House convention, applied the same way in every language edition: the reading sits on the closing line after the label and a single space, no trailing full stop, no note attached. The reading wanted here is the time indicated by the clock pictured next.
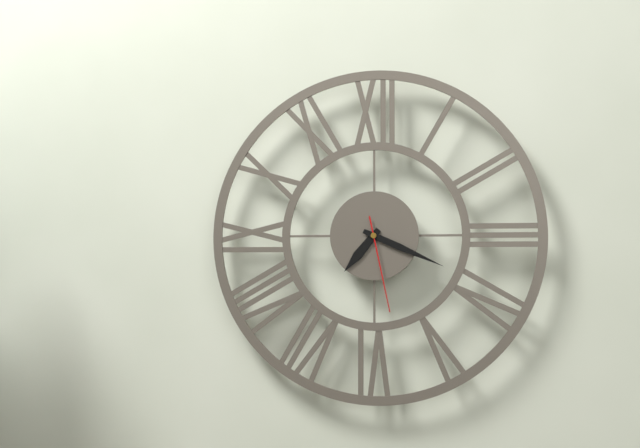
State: 7:19:28
